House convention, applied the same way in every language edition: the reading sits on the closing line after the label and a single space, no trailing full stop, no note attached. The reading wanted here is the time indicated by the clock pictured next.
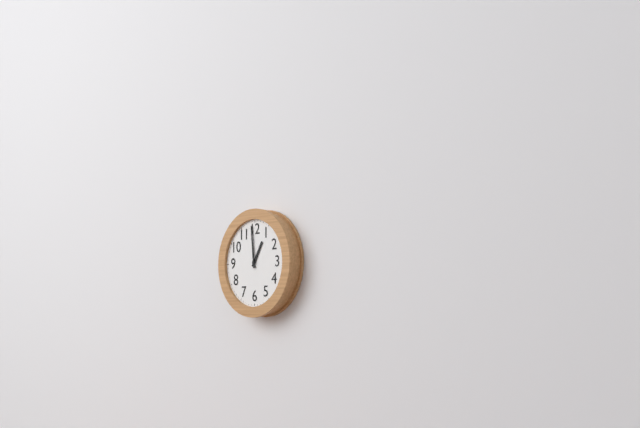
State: 12:59
